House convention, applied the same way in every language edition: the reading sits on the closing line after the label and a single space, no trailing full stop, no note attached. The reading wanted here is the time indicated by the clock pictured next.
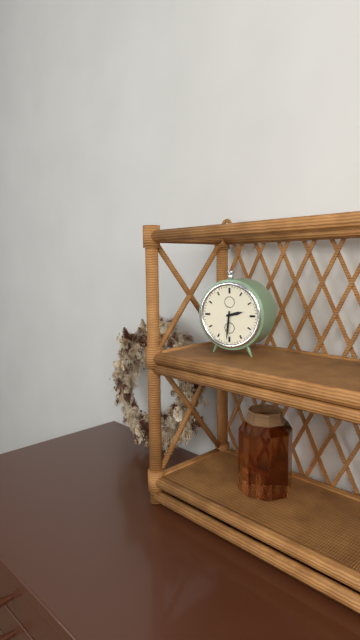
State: 2:31
